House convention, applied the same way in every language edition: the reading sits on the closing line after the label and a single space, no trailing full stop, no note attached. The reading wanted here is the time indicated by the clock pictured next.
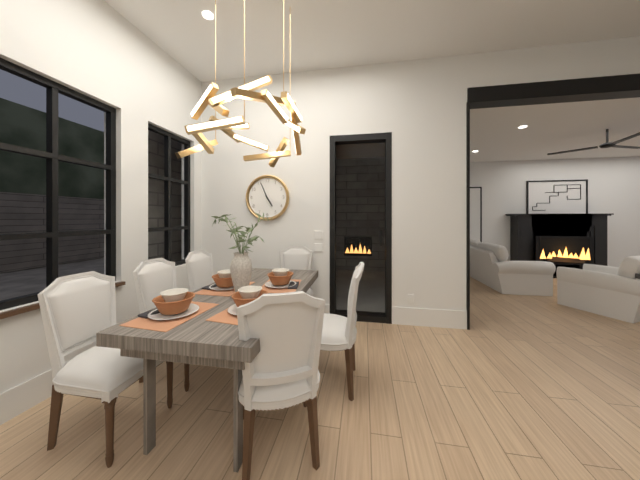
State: 4:56
